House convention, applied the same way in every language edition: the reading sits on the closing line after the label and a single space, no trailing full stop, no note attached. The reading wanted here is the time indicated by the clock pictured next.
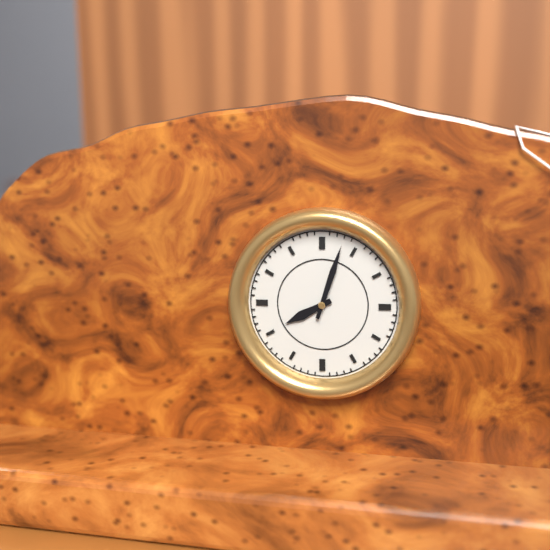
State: 8:03
